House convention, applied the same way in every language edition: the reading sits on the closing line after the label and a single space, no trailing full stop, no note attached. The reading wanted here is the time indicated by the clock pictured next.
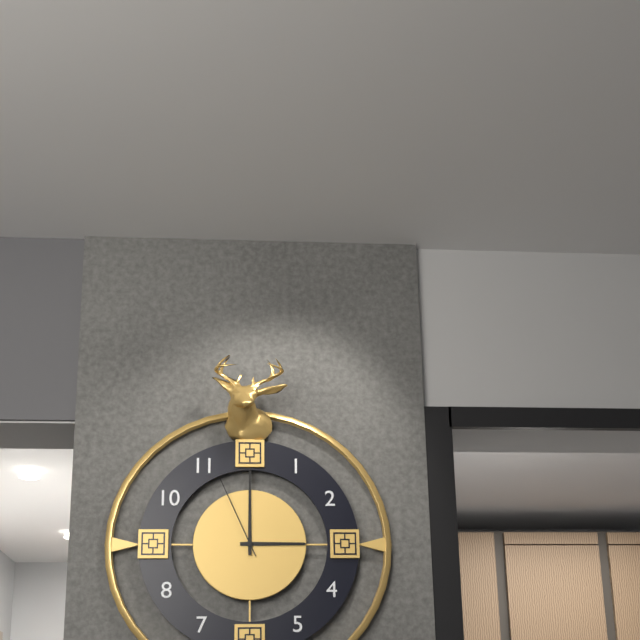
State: 3:00:56
